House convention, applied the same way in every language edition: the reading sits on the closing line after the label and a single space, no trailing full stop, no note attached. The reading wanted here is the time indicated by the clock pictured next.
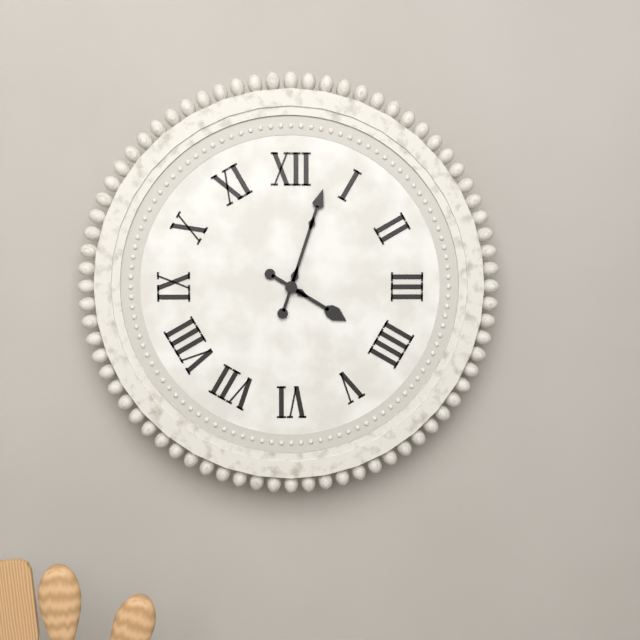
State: 4:03
